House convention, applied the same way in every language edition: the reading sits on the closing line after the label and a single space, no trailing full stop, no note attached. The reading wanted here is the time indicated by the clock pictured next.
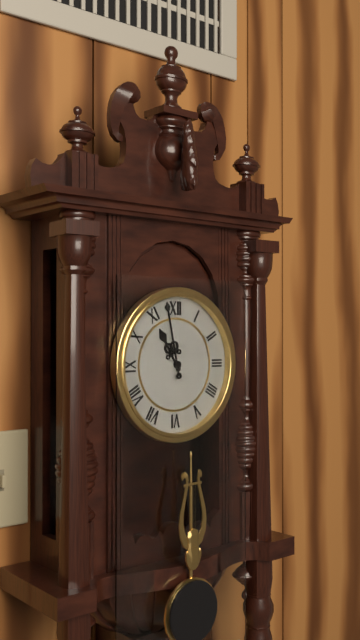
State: 10:58
